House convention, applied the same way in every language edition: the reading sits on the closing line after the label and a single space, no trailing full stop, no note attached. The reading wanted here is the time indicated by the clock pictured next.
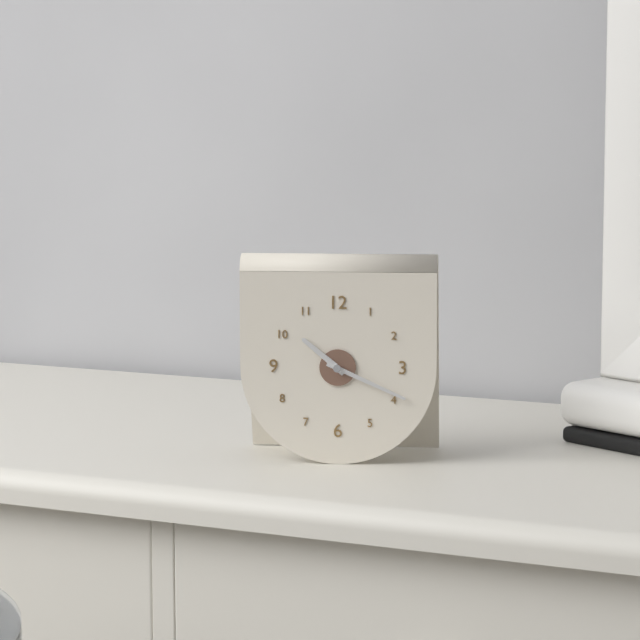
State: 10:19
